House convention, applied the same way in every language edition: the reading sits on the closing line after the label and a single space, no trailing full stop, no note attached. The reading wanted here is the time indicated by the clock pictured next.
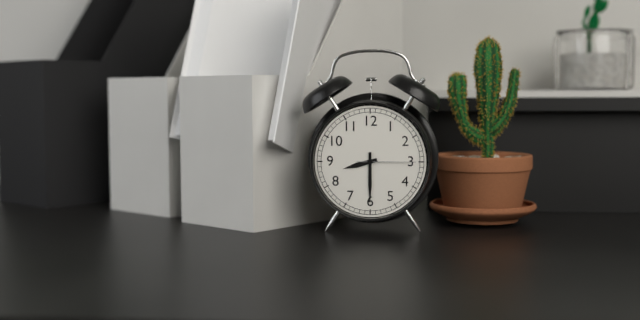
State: 8:30:15
